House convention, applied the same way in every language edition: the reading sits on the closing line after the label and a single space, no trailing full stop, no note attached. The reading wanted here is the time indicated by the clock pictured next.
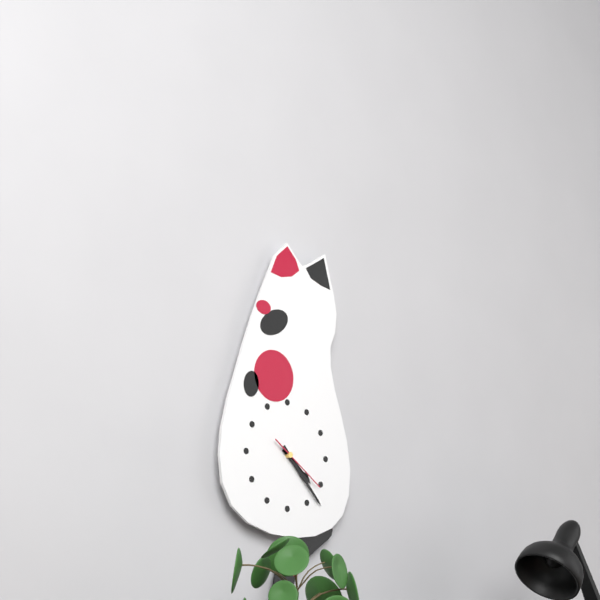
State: 4:23:21
